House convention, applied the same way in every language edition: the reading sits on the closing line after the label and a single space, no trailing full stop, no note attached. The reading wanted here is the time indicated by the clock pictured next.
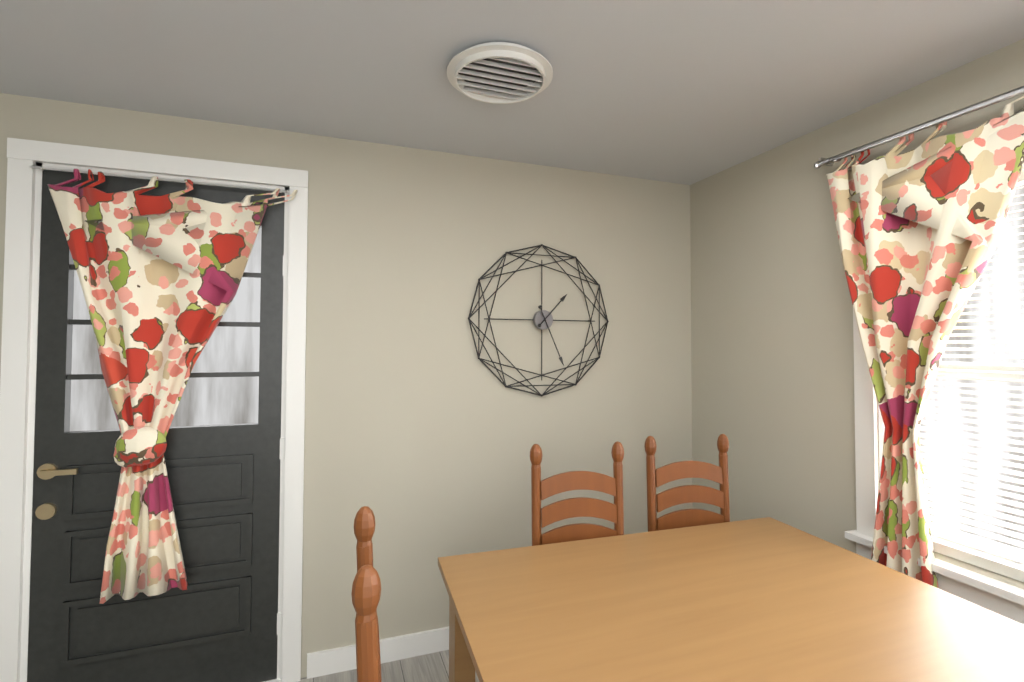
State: 1:26
